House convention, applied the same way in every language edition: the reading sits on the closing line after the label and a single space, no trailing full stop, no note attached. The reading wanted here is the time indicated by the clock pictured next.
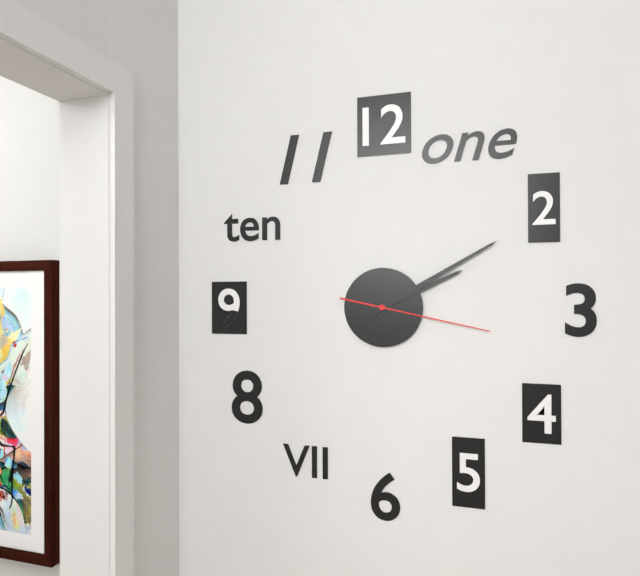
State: 2:10:17
